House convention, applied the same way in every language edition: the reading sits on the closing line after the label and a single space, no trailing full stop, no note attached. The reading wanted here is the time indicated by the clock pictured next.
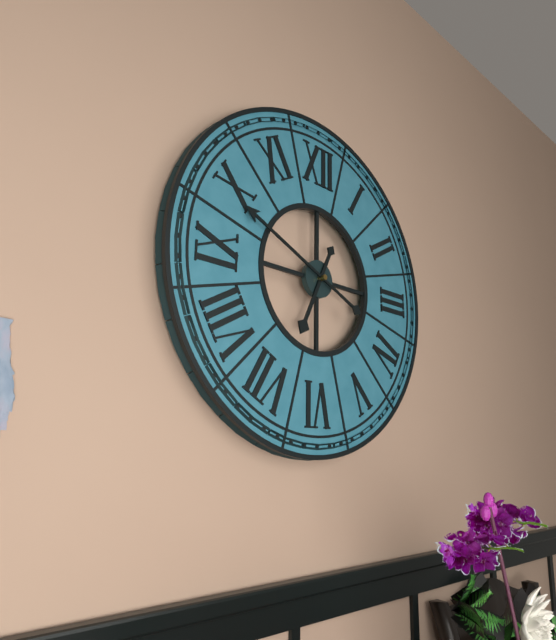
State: 6:49
